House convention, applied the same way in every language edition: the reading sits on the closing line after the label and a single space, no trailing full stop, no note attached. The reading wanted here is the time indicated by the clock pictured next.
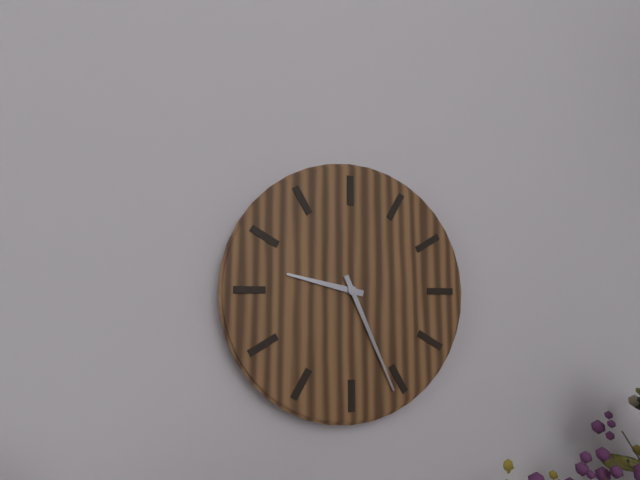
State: 9:26
